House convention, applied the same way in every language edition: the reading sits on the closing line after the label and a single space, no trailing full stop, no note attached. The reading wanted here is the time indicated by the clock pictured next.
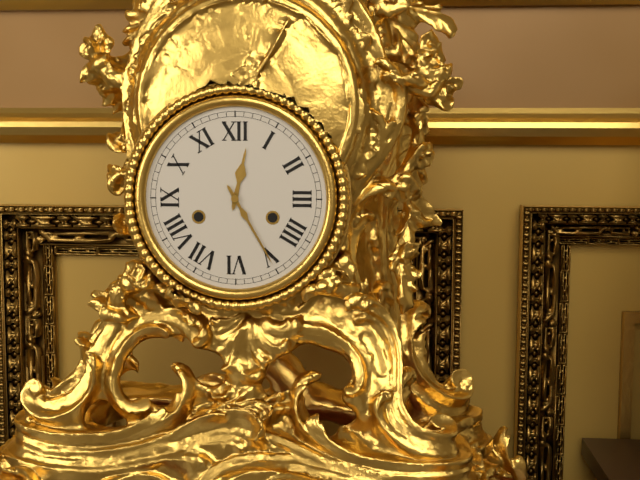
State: 12:25
